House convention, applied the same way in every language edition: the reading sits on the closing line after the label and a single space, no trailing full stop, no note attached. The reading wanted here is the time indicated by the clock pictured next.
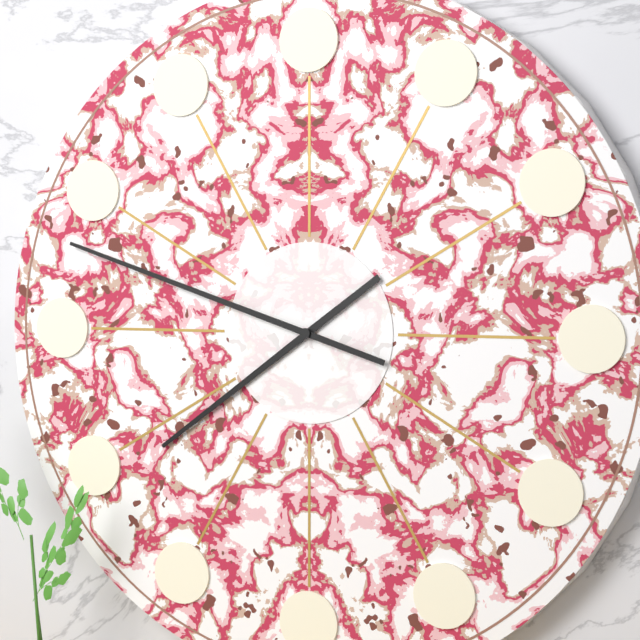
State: 7:48
